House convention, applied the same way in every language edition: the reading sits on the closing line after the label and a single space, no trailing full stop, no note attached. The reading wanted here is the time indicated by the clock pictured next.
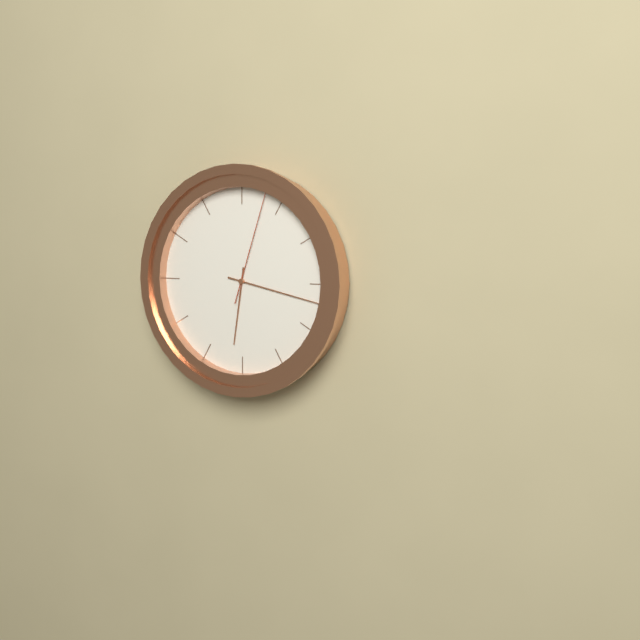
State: 6:17:03
